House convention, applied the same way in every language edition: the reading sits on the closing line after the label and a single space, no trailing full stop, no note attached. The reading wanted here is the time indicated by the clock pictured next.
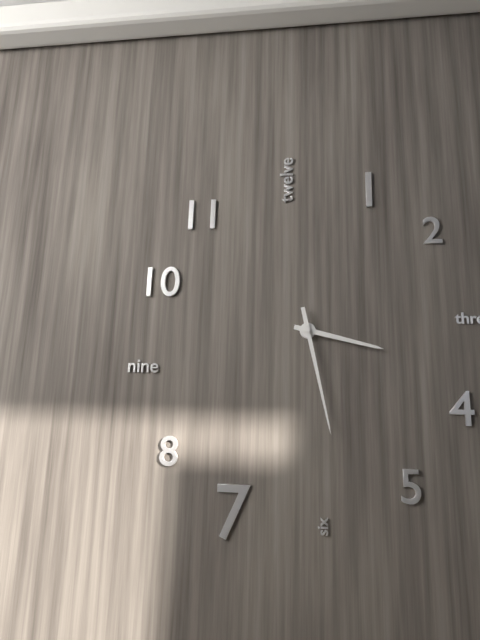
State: 3:28
